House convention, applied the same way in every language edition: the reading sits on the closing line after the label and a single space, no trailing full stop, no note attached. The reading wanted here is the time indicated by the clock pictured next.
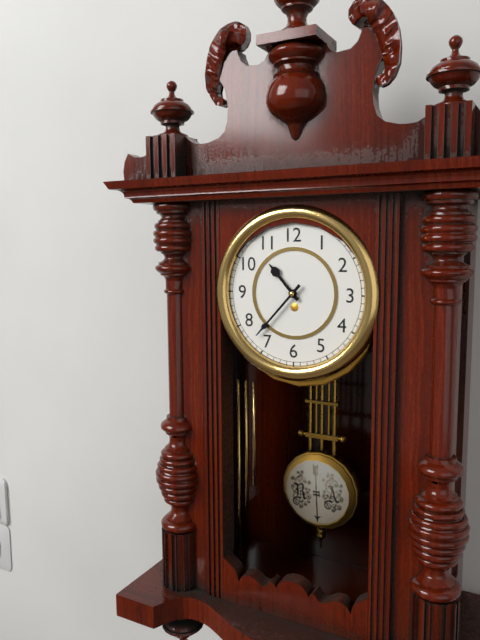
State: 10:37
